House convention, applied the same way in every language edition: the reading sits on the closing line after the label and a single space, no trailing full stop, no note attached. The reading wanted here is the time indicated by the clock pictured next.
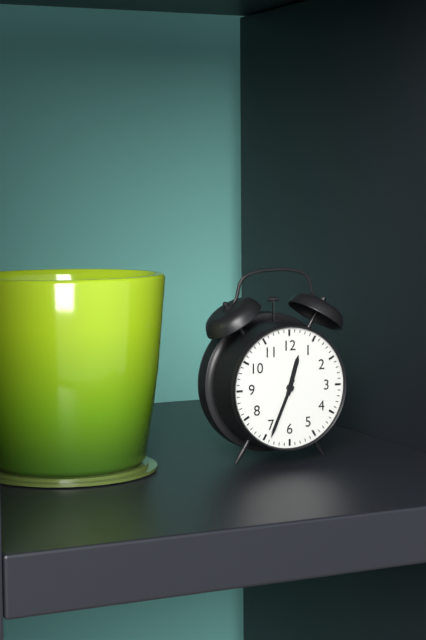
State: 12:34
